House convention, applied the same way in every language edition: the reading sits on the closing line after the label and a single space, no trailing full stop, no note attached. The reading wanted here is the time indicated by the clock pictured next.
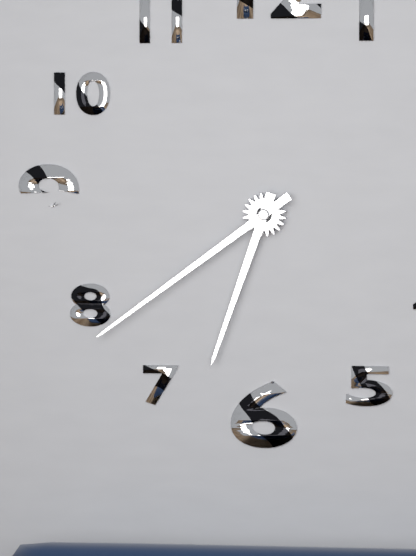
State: 6:39
